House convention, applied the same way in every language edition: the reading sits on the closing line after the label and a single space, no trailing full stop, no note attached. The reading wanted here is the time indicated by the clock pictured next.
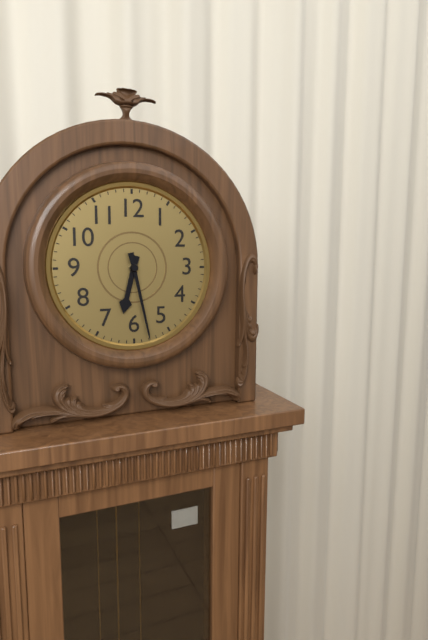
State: 6:28
